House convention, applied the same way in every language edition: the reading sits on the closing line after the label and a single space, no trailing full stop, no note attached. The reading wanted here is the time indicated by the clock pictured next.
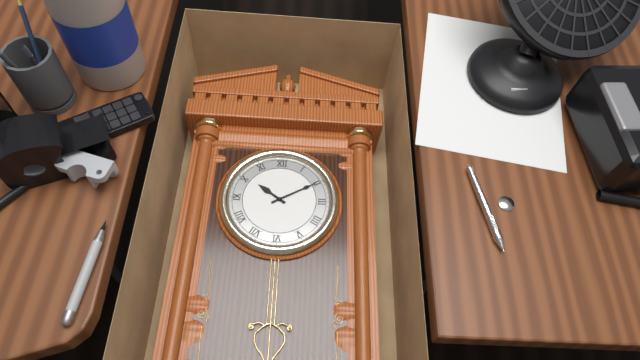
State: 10:10
